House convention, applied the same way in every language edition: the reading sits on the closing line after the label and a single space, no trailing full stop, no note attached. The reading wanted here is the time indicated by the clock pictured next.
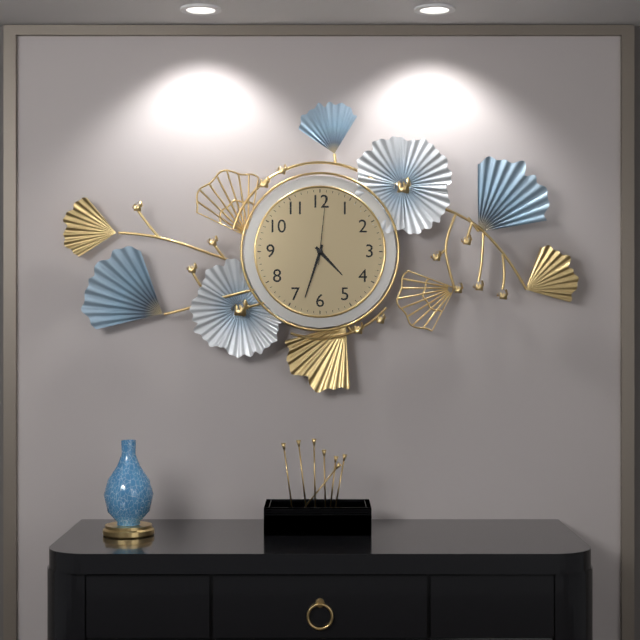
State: 4:33:01
